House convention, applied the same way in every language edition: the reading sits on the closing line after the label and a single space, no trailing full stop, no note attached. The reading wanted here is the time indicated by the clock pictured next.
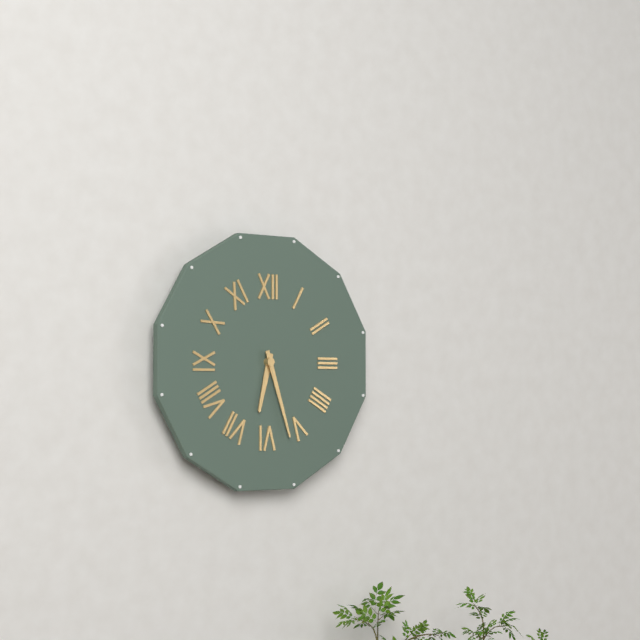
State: 6:27
